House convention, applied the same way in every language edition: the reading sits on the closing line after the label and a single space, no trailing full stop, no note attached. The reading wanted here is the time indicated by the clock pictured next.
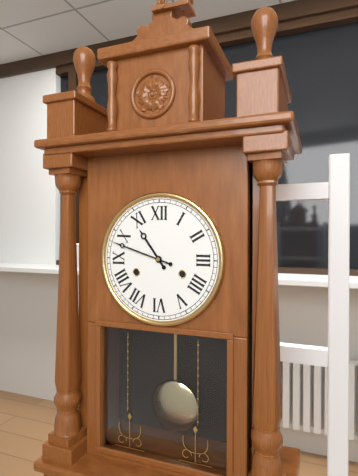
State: 10:48
